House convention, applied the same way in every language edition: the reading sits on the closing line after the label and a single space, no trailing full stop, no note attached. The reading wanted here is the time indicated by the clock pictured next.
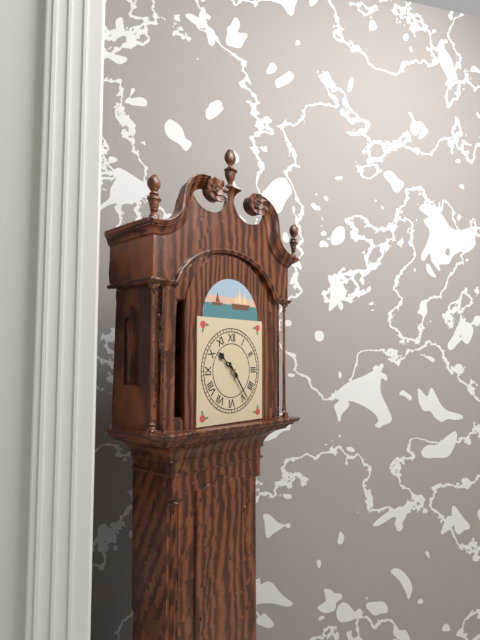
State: 10:24
